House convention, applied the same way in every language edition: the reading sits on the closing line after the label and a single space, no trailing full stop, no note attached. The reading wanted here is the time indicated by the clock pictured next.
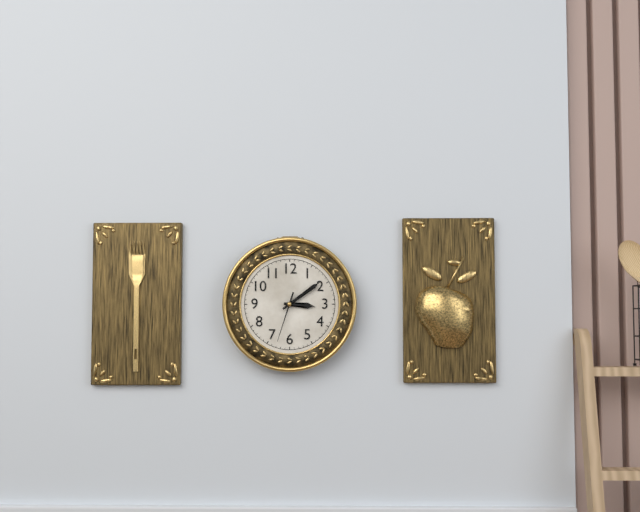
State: 3:09:33
